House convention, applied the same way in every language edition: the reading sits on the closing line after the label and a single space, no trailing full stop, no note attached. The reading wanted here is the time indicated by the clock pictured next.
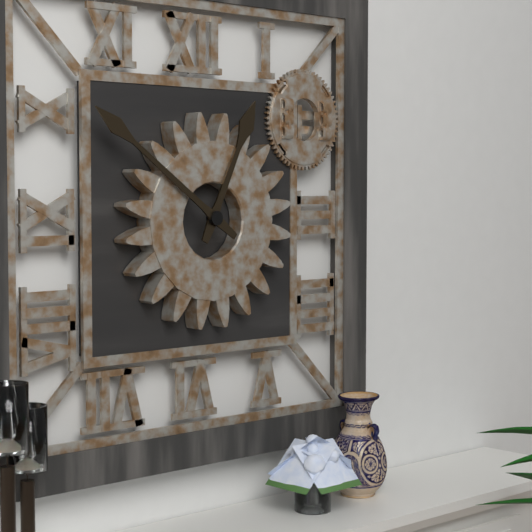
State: 12:51
